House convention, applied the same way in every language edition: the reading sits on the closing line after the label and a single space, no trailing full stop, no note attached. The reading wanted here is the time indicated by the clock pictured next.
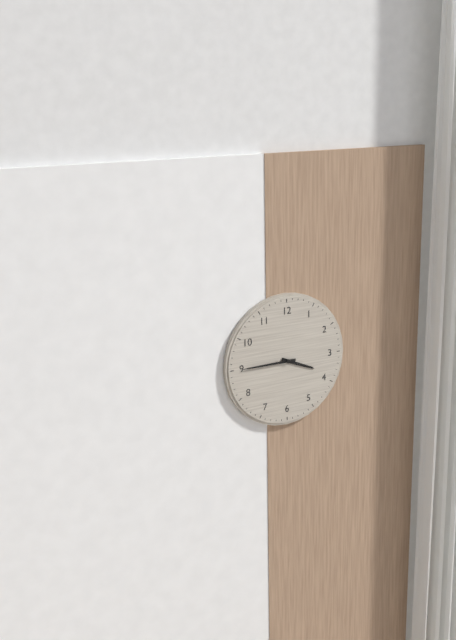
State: 3:45
